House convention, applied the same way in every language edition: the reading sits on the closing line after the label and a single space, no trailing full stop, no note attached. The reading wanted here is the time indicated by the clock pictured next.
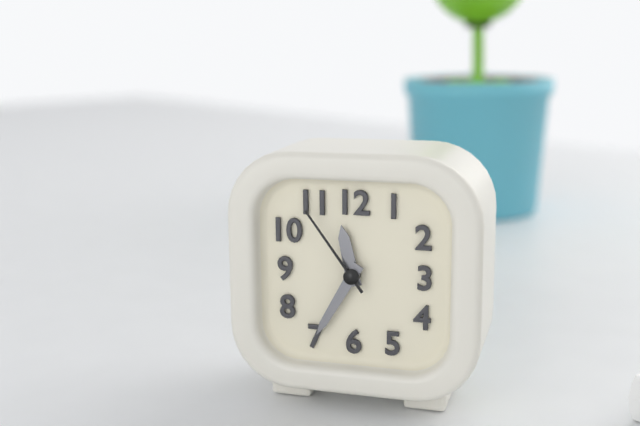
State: 11:35:54
